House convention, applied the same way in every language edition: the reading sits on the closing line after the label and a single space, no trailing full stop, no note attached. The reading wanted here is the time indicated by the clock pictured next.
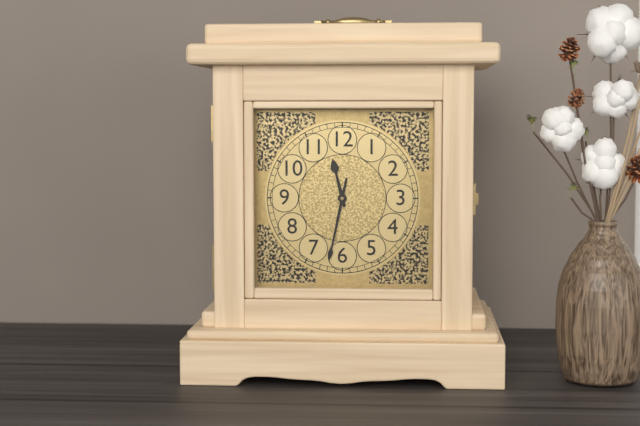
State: 11:32
